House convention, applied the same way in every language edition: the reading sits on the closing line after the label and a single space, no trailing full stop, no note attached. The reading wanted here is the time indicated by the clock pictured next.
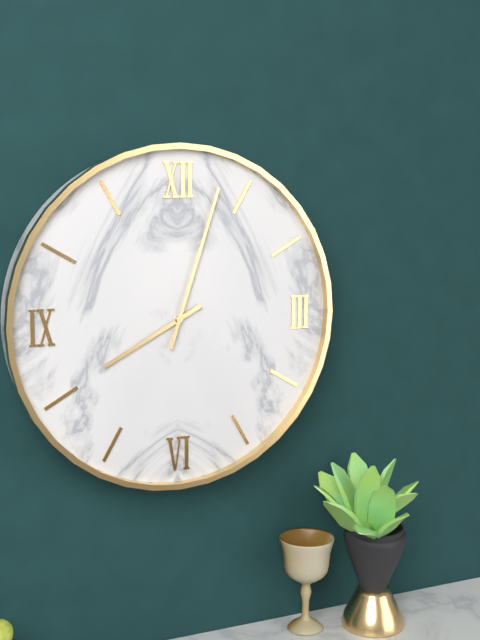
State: 8:03
